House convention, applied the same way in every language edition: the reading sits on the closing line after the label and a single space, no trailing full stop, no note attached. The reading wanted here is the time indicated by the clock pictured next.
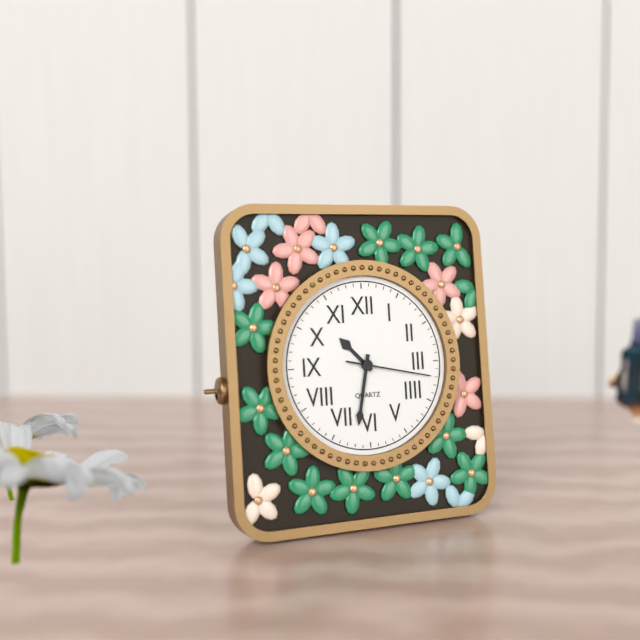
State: 10:32:17
